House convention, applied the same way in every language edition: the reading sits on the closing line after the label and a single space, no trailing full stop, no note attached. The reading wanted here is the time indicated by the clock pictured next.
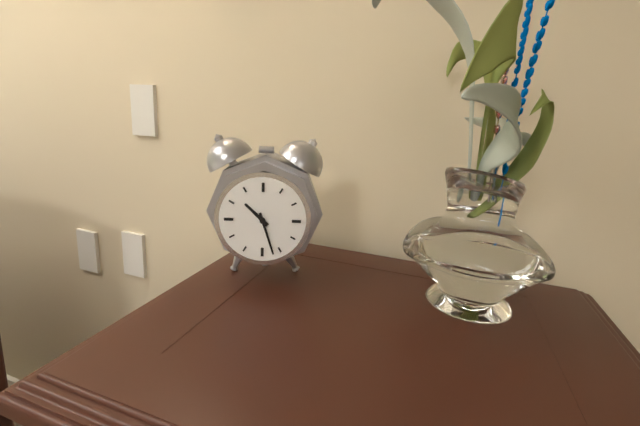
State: 10:27
